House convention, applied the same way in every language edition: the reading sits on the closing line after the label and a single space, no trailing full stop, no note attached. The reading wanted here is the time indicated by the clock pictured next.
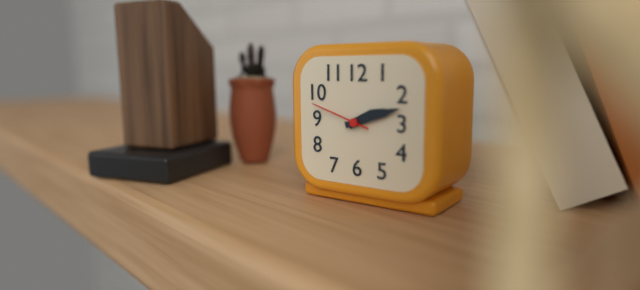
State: 2:12:48
